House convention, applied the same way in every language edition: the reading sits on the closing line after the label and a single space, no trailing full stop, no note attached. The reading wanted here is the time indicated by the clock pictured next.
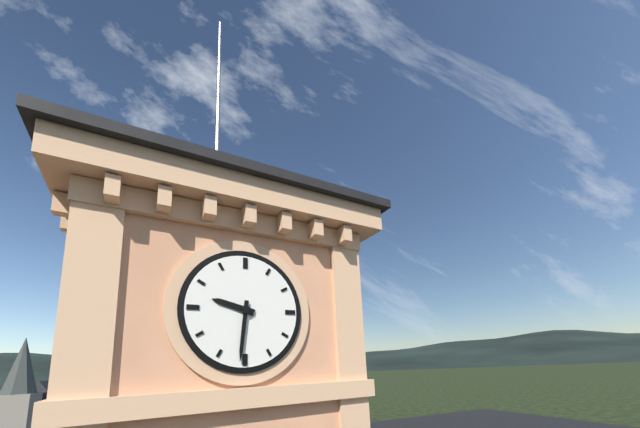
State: 9:31
